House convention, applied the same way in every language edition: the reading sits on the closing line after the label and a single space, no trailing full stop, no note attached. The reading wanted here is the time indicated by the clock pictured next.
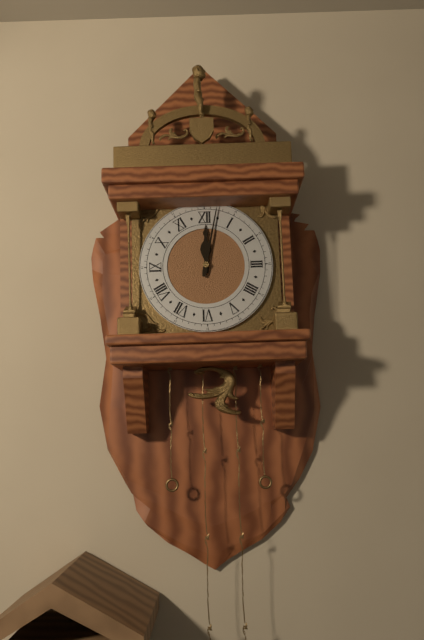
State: 12:02
